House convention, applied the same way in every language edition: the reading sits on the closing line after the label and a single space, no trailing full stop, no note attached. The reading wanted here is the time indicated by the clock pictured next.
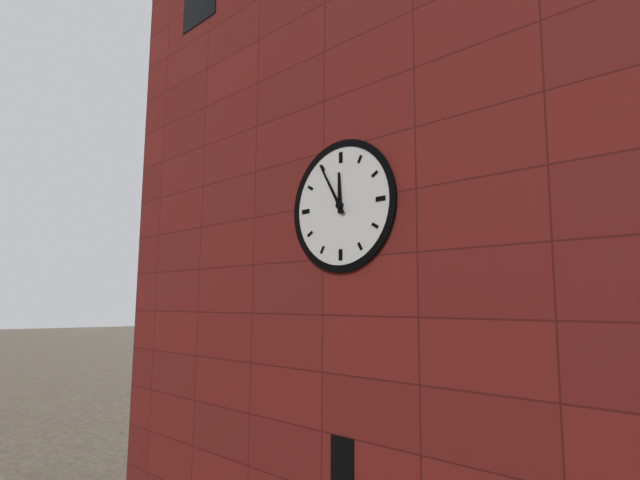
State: 11:55
